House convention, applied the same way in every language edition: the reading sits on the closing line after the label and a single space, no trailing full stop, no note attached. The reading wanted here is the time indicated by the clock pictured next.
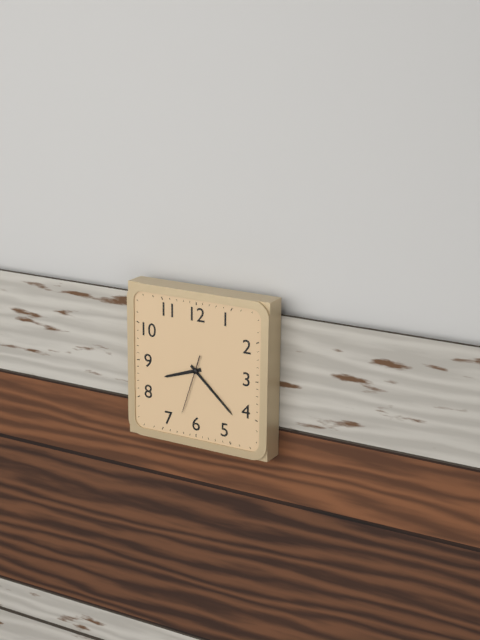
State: 8:22:33
